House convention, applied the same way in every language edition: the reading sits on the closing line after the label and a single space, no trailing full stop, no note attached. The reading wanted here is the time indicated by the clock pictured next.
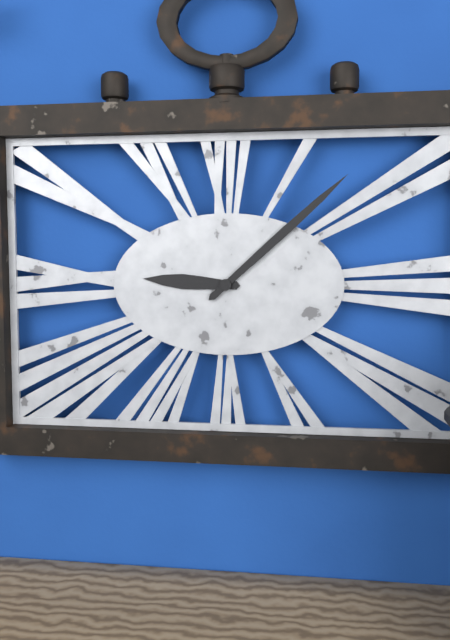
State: 9:08
